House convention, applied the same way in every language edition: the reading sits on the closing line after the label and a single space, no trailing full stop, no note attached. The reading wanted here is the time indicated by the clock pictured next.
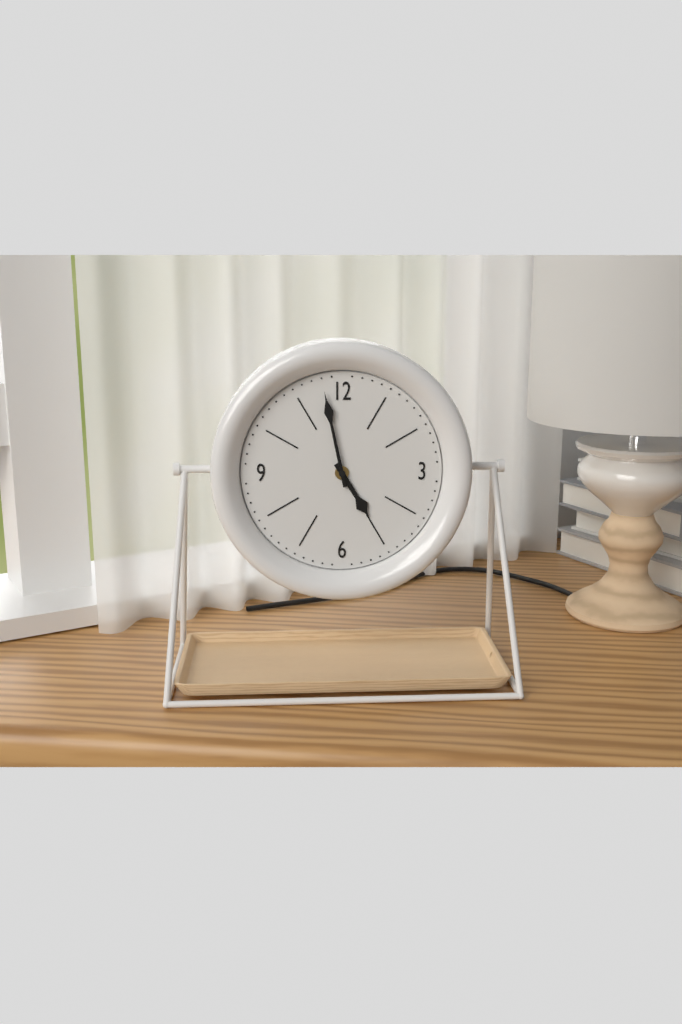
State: 4:58
